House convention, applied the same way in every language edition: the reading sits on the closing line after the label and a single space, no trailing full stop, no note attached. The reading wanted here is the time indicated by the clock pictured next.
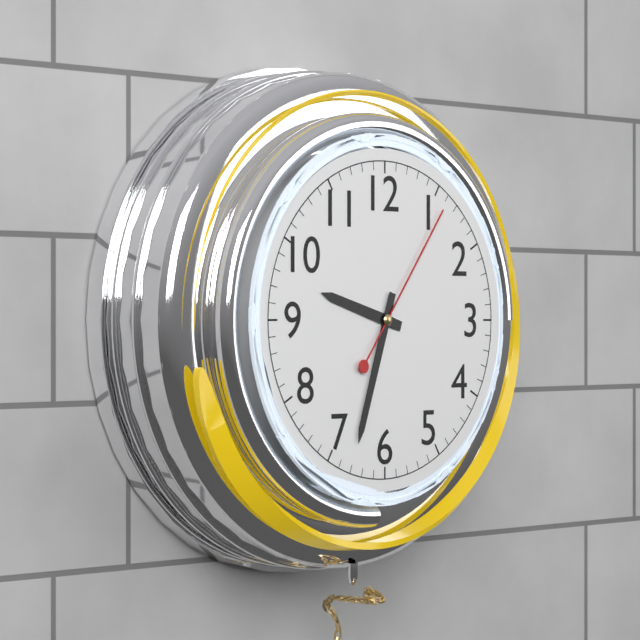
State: 9:33:06
